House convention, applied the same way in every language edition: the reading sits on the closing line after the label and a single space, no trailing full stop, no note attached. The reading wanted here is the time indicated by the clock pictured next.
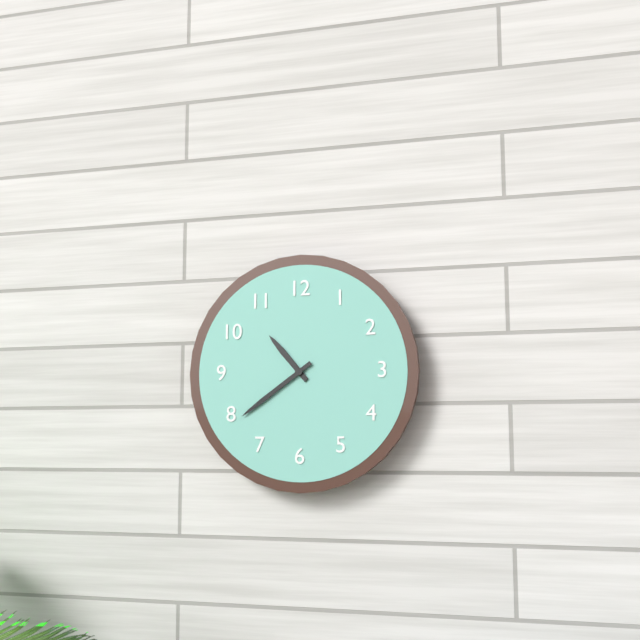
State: 10:39
